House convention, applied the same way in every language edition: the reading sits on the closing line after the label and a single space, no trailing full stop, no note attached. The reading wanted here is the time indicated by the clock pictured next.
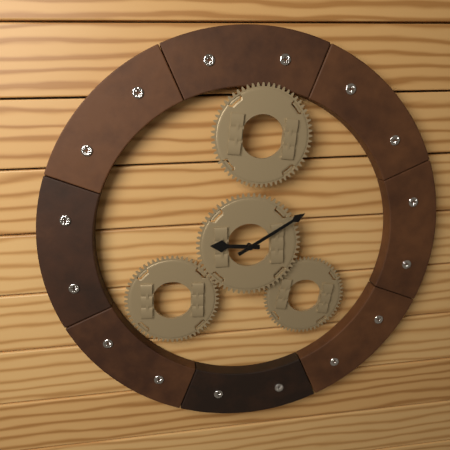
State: 9:10
